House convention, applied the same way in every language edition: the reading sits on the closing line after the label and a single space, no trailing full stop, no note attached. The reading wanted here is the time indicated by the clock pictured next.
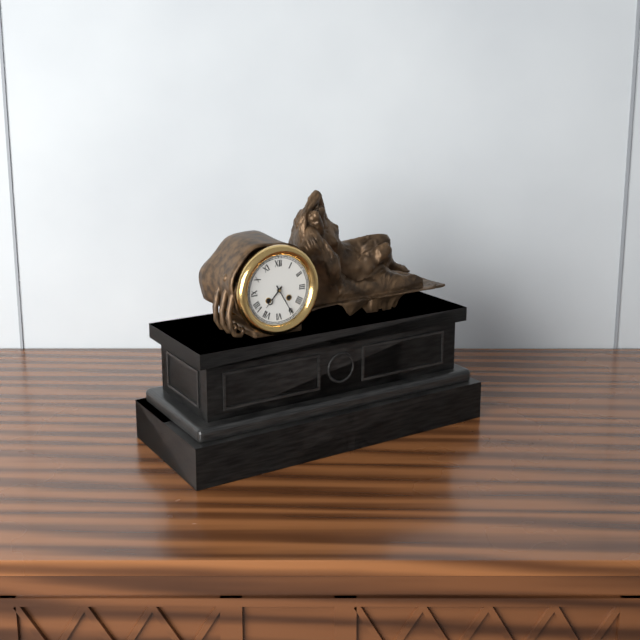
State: 7:25
